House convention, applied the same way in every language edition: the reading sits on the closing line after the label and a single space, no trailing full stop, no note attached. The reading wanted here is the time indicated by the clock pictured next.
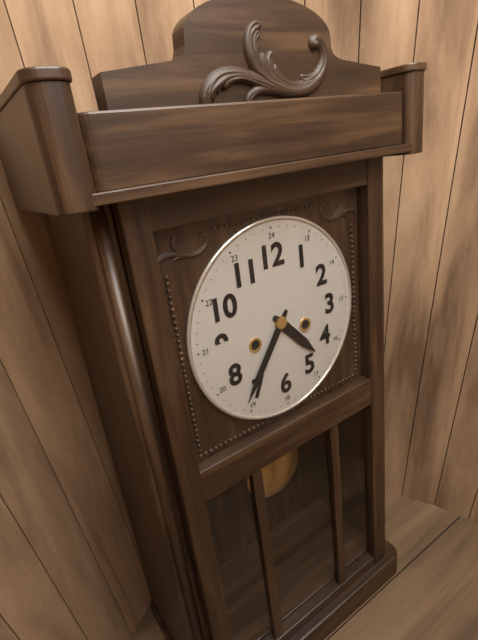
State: 4:36
